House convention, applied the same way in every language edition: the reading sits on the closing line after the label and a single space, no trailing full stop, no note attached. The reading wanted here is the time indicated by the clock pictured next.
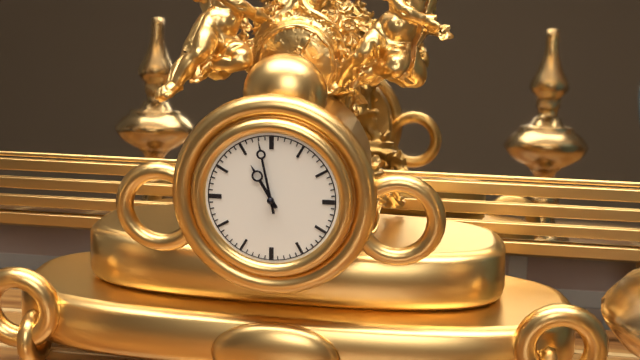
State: 10:58
